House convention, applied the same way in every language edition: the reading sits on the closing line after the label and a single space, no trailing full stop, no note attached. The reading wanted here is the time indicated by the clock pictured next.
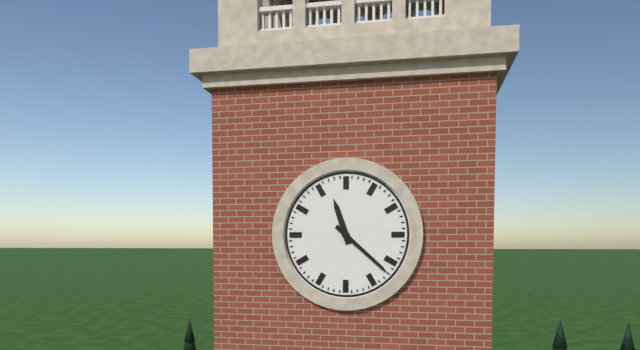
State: 11:22
